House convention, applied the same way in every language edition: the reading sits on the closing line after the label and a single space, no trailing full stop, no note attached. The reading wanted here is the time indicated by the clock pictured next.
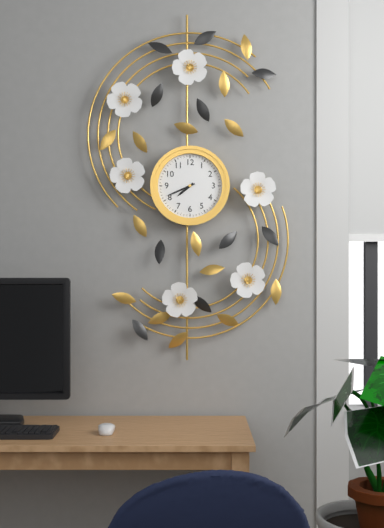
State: 7:41
